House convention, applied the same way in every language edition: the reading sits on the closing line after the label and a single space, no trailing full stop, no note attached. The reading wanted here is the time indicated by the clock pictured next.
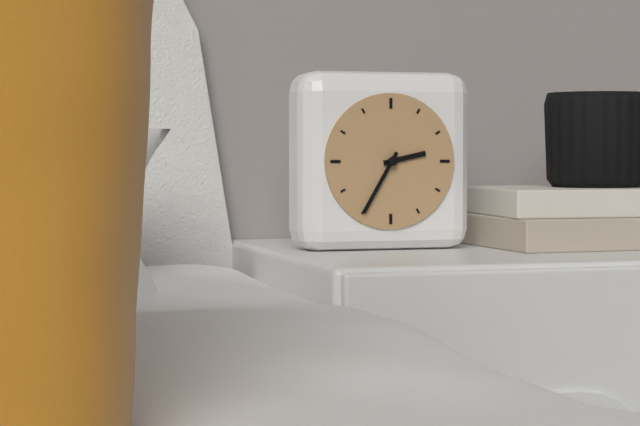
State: 2:35
